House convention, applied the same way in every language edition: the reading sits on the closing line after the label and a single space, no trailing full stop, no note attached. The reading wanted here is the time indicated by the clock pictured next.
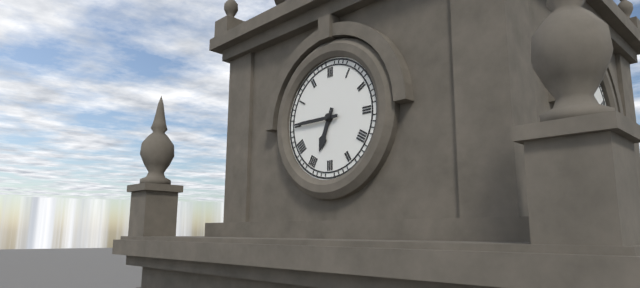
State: 6:45
